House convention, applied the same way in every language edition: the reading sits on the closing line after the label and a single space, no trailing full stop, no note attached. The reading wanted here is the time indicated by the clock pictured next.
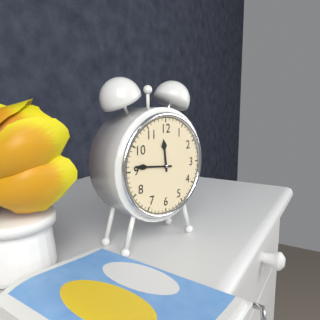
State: 11:46
